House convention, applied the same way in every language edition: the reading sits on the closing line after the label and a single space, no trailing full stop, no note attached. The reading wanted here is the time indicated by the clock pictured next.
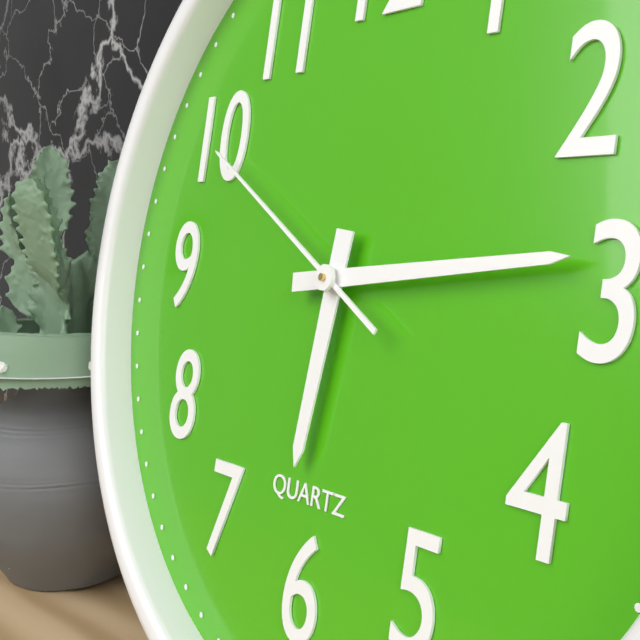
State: 6:14:50
